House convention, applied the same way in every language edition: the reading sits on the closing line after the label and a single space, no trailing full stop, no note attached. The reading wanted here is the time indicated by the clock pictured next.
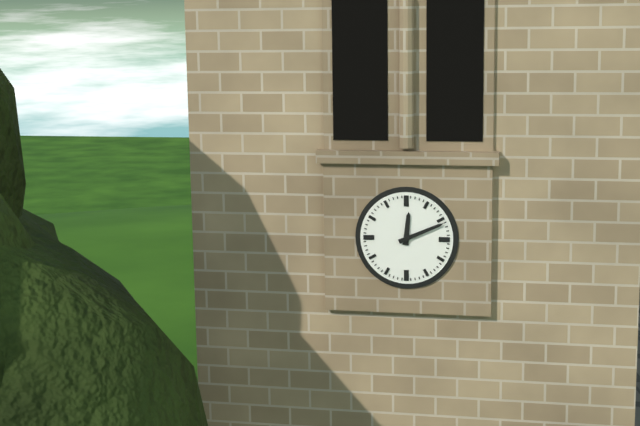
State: 12:11
